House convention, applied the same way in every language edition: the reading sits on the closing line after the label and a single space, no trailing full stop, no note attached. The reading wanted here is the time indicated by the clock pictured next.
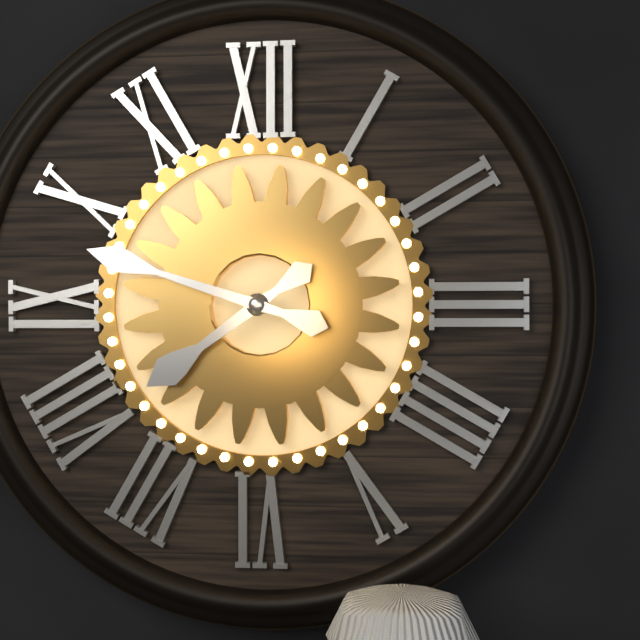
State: 7:48
